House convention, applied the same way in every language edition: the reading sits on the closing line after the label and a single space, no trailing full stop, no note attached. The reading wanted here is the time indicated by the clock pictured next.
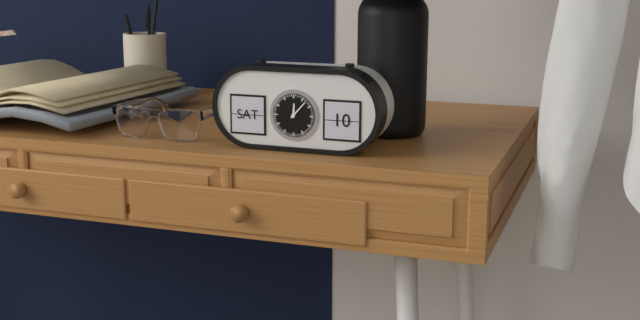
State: 12:07
